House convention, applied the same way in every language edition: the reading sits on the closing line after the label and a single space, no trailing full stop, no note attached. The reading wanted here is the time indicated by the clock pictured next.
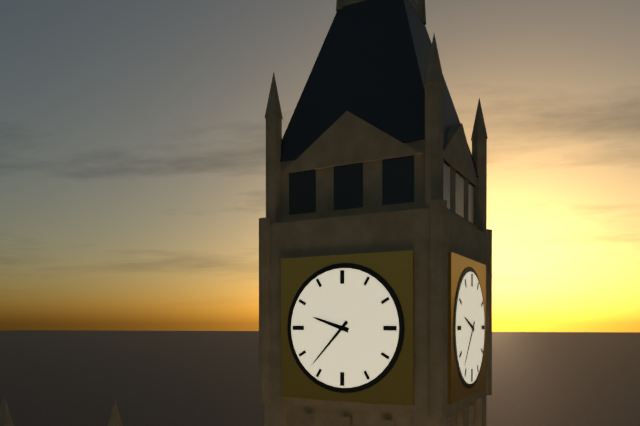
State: 9:37
